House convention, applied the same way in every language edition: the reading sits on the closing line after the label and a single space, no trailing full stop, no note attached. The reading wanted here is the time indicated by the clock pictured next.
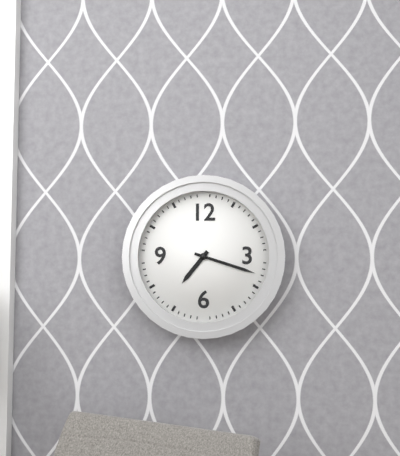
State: 7:18
